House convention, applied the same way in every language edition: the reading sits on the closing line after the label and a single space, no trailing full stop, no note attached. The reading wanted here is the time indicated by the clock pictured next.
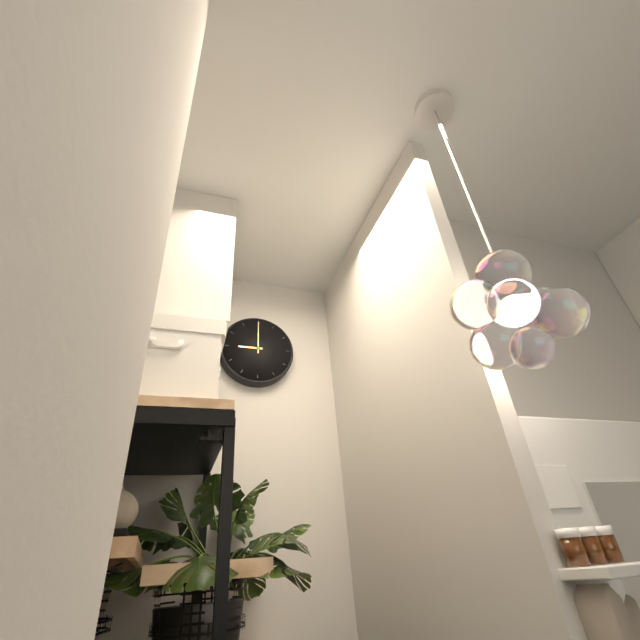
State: 9:00
